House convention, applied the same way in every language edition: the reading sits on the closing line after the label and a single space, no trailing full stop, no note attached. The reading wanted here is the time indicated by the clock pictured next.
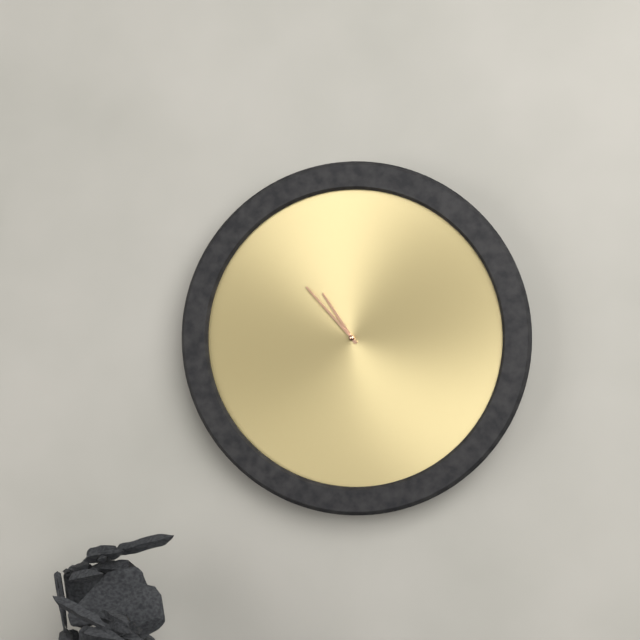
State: 10:53
